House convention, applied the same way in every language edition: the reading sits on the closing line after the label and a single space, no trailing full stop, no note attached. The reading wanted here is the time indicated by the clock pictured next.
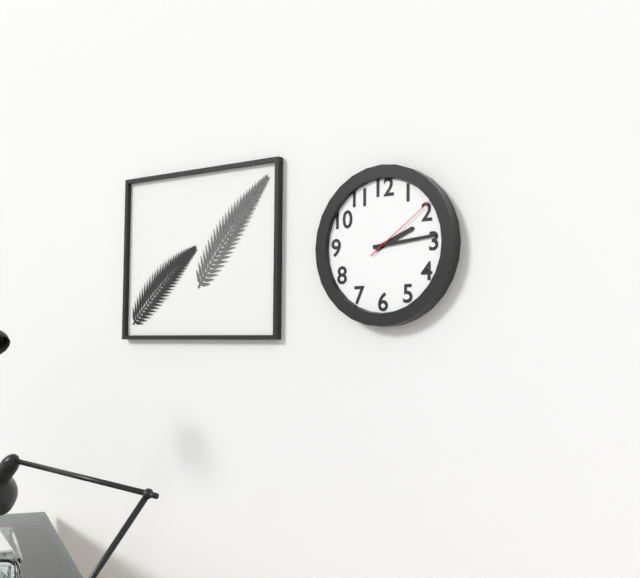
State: 2:14:09
